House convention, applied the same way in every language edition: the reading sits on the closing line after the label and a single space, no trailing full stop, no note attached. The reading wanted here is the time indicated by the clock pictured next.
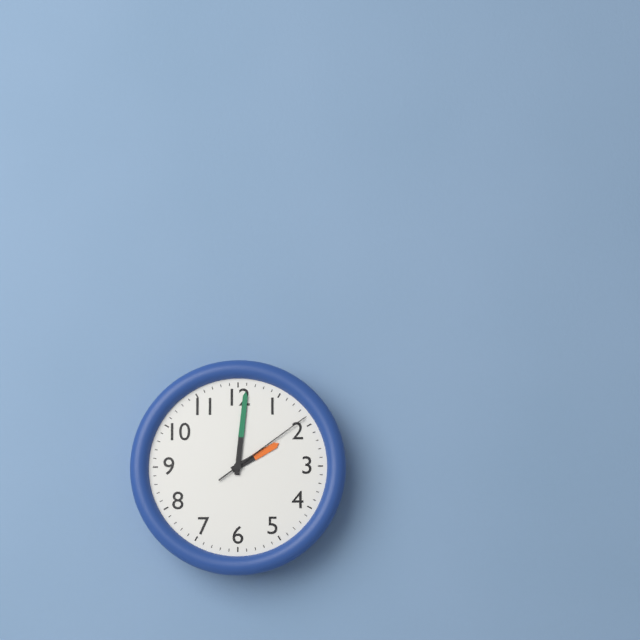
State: 2:01:09
